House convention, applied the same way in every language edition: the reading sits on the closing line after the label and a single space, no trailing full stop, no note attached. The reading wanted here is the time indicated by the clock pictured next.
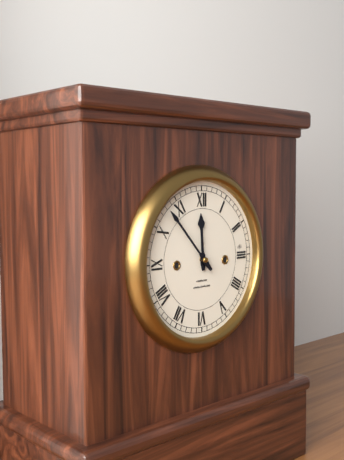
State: 11:53
